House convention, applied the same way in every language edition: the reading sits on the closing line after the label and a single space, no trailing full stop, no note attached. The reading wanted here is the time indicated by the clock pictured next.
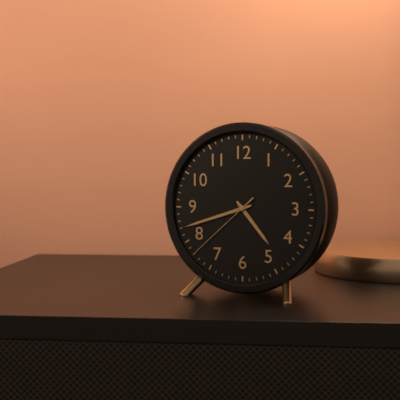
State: 4:42:38
